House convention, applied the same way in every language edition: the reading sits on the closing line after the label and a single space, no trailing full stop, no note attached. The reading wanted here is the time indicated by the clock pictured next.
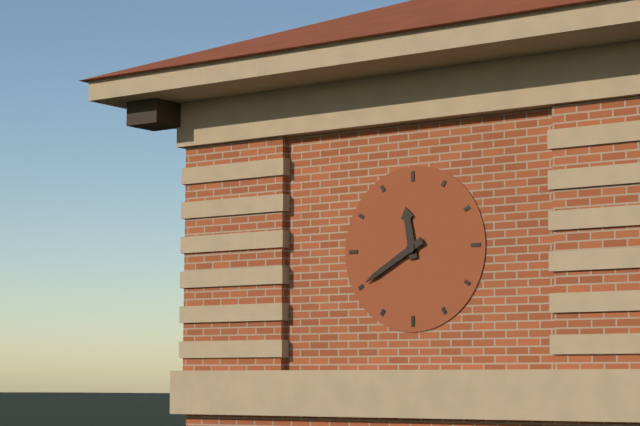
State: 11:40
